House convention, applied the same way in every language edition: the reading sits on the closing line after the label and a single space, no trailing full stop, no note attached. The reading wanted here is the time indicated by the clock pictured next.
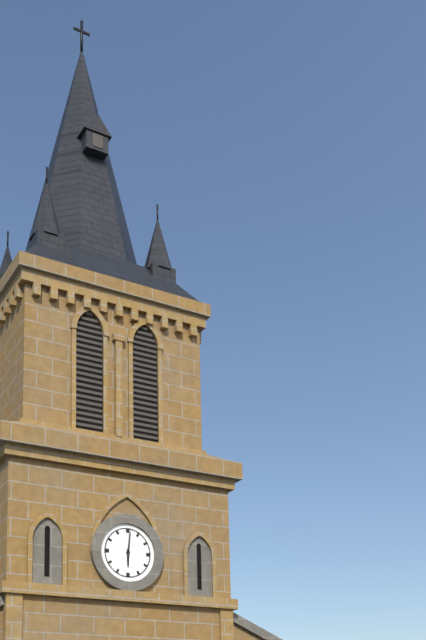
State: 6:01
